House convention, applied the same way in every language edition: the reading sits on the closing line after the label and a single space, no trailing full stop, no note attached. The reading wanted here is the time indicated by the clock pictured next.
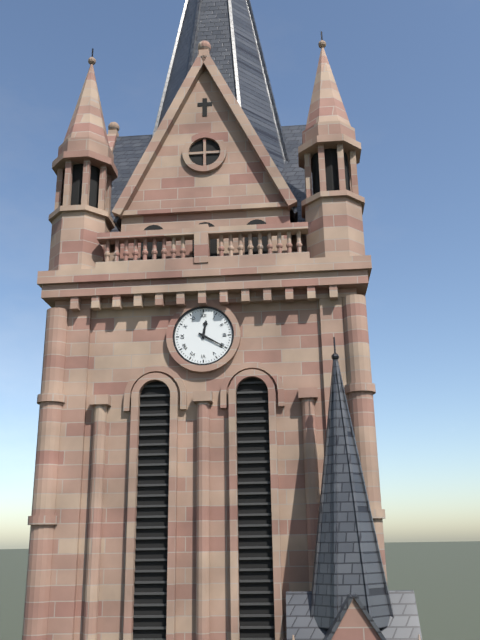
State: 12:20
